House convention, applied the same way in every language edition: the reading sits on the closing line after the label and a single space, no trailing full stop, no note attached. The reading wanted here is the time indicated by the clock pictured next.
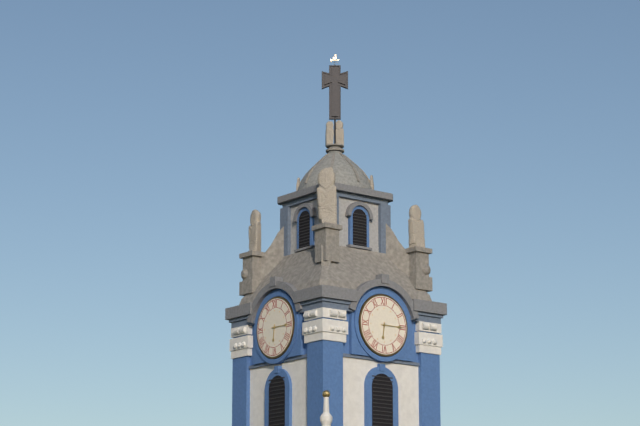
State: 6:15
